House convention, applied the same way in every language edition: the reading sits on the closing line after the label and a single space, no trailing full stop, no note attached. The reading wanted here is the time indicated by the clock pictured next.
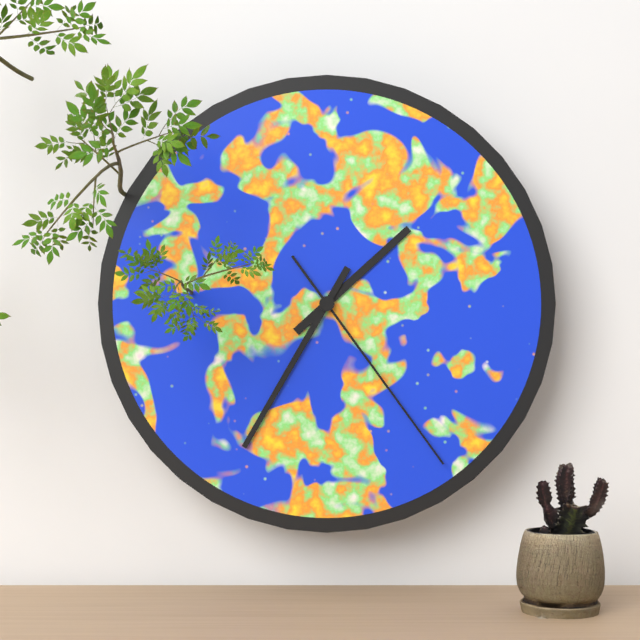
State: 1:35:24
